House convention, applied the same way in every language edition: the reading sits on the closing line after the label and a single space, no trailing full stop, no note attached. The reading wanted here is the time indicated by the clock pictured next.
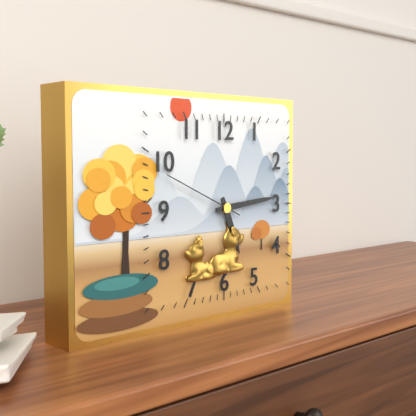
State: 5:14:49
